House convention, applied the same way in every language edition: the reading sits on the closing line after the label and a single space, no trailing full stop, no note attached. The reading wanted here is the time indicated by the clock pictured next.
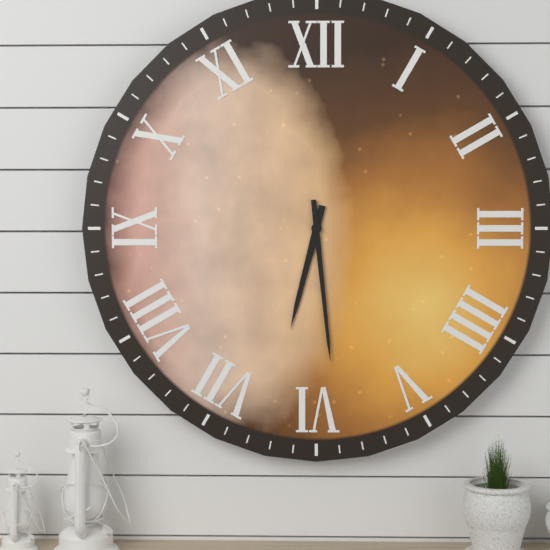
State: 6:29
